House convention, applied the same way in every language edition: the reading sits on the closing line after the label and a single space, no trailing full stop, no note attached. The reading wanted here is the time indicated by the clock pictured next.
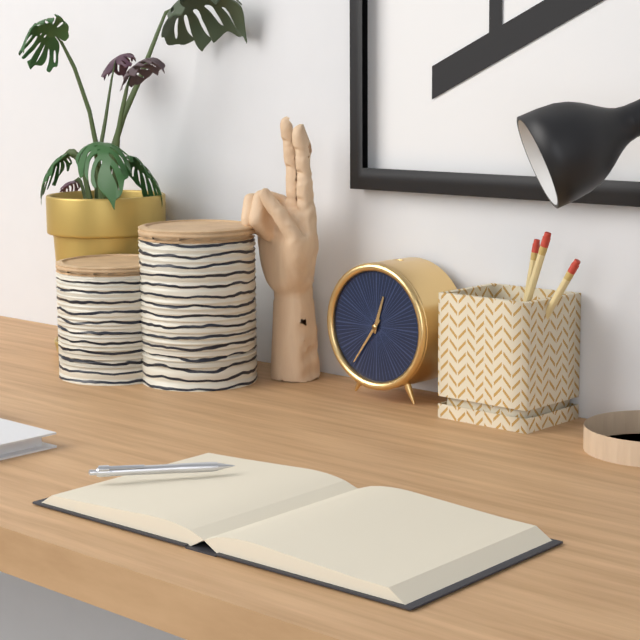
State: 12:36
